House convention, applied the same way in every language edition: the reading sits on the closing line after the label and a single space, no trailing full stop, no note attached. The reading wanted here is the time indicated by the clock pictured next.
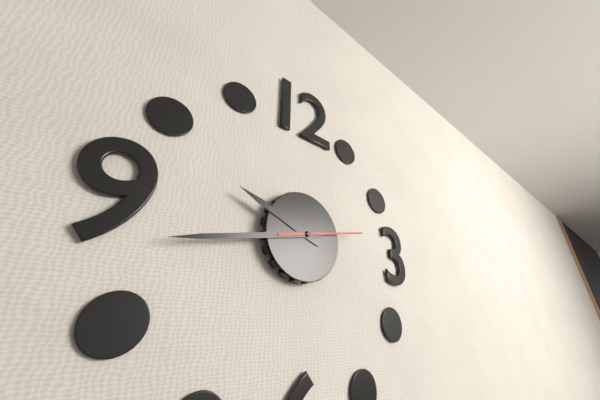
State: 9:43:13
